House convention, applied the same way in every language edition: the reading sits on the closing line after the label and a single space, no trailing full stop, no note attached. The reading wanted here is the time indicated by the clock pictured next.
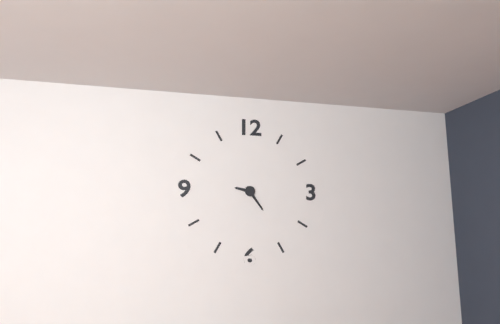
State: 9:24
